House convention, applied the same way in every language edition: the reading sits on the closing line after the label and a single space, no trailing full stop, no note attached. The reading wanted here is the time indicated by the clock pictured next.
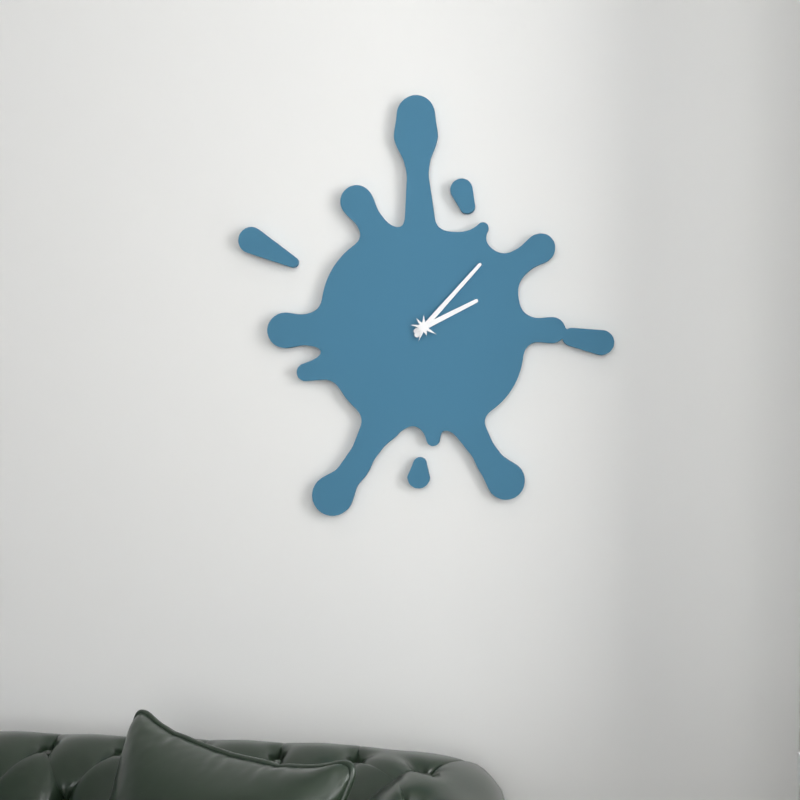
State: 2:07
